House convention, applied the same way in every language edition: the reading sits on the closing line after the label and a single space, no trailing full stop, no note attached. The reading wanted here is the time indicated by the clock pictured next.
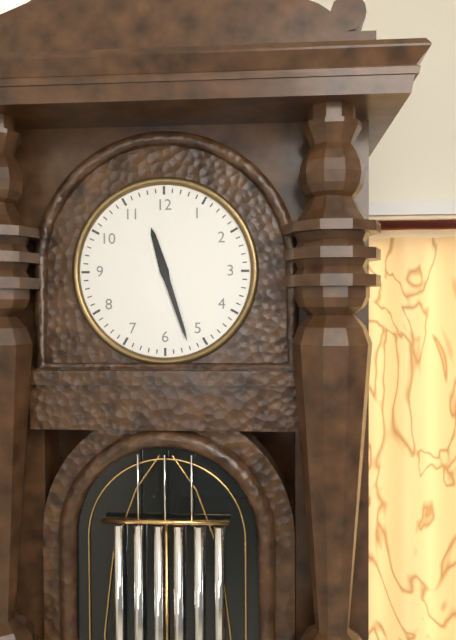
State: 11:27
